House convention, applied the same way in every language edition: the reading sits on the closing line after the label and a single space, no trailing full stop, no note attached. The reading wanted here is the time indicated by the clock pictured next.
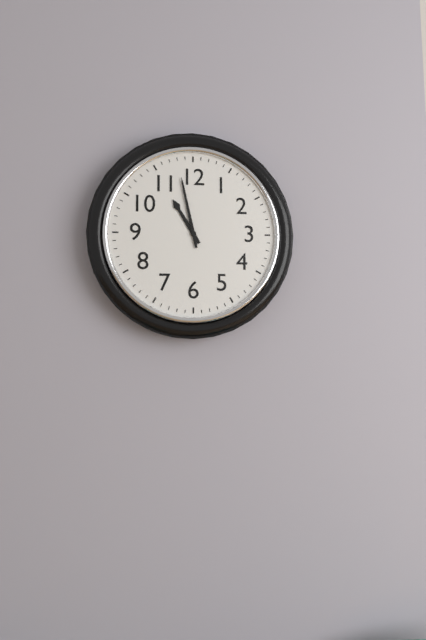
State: 10:58
